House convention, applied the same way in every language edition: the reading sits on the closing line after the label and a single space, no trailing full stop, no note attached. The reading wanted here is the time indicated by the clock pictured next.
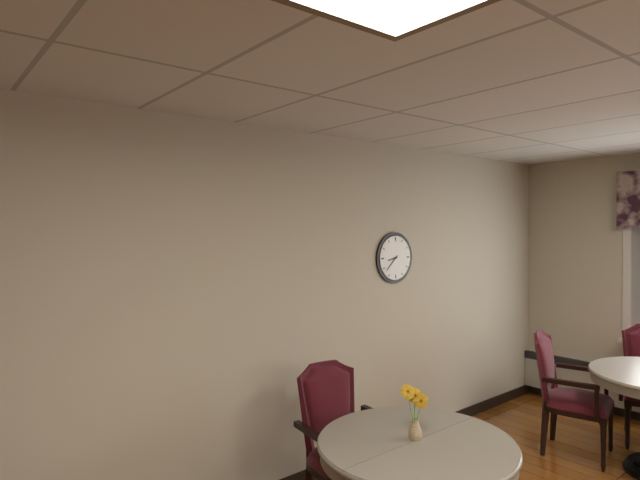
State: 8:38
